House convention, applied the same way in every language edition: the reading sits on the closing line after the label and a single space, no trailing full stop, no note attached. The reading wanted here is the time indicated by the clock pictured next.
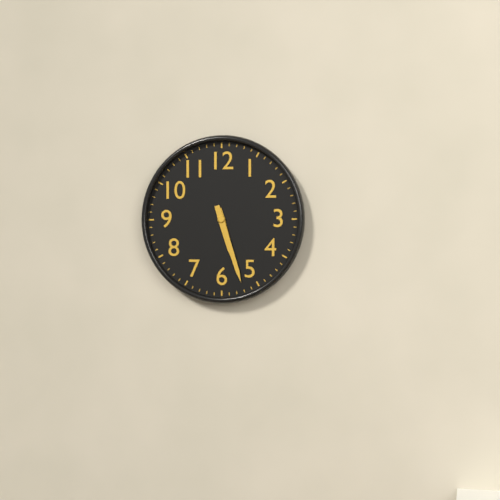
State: 5:27
